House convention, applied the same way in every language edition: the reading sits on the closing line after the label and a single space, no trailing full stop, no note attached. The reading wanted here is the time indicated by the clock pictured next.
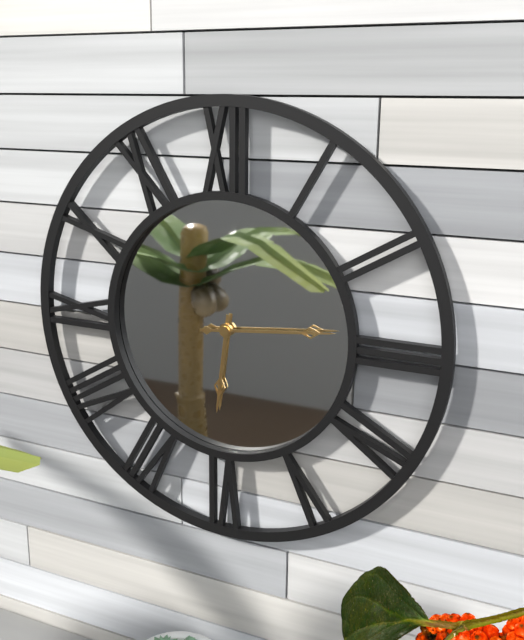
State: 6:14
